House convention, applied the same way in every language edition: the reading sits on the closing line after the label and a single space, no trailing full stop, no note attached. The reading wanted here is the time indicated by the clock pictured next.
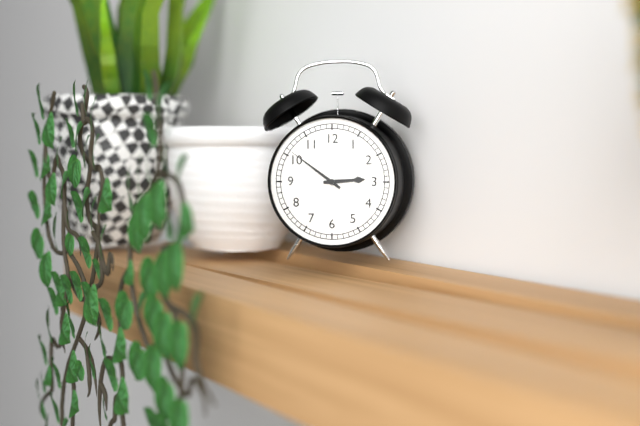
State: 2:51
